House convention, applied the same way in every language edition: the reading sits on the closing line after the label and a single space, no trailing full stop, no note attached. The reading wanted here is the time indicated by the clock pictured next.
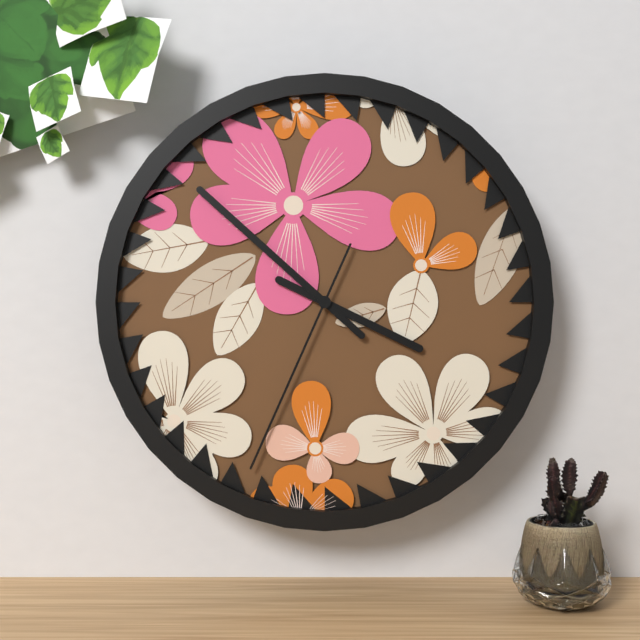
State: 3:52:34
